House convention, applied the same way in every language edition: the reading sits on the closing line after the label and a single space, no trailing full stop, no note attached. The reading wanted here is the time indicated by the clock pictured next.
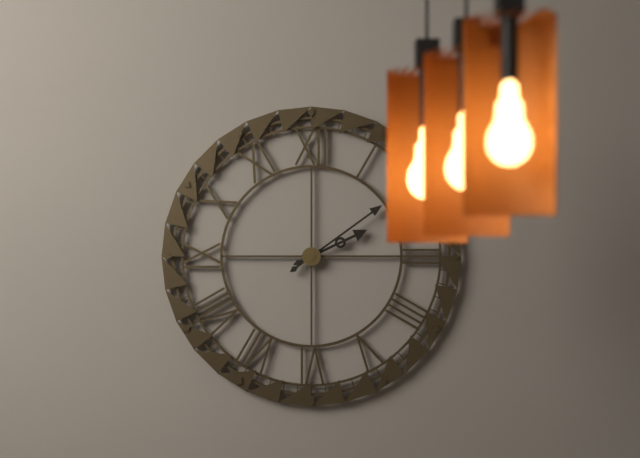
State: 2:09
